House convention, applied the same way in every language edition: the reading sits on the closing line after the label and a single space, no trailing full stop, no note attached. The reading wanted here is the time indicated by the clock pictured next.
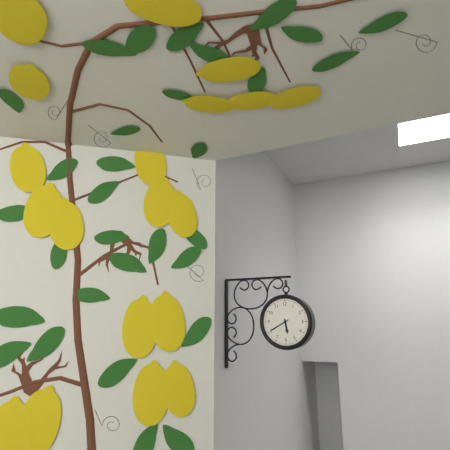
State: 5:40
